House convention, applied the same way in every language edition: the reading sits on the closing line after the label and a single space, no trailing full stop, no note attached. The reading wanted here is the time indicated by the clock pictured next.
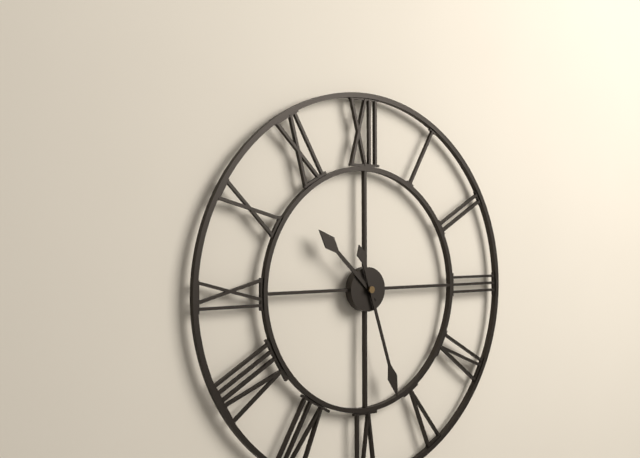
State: 10:27
